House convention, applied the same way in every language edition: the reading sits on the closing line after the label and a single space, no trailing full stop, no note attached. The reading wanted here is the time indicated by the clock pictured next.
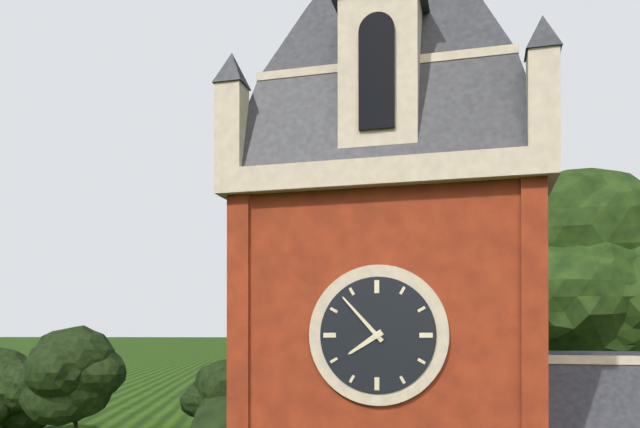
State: 7:53
